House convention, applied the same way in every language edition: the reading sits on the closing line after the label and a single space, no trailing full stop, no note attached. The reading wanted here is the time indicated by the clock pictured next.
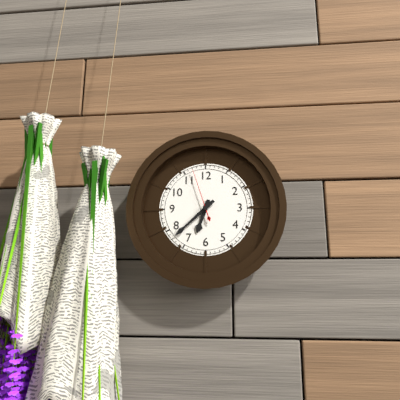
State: 6:38:57
